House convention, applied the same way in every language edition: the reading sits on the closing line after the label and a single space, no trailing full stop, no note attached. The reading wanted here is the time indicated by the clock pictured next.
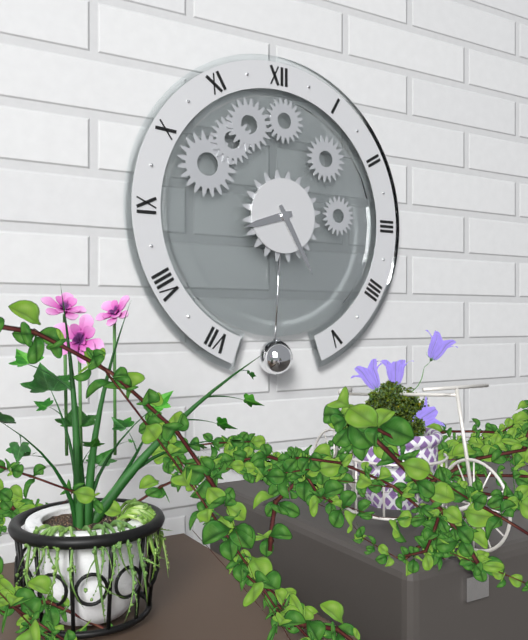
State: 8:25
